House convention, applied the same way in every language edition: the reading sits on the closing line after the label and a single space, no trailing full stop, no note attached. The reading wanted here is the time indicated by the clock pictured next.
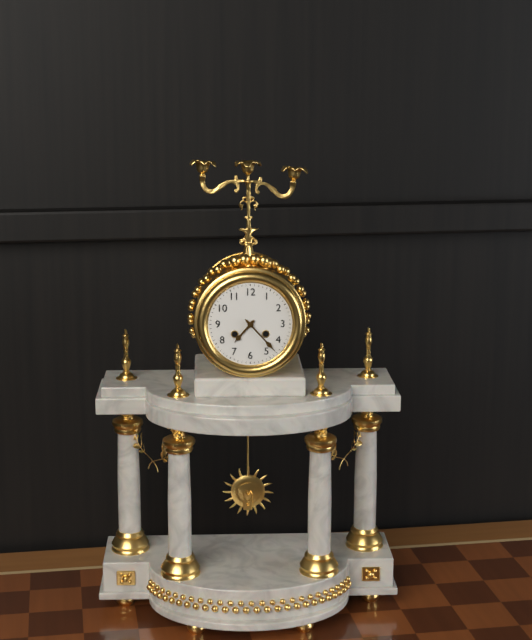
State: 7:23
